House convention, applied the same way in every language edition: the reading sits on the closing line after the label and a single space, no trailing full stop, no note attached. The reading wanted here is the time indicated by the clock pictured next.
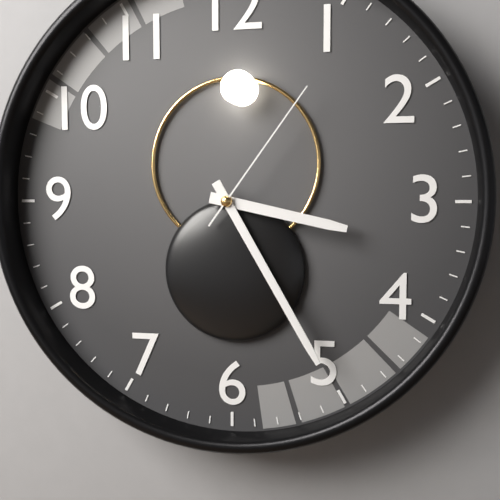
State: 3:25:06
